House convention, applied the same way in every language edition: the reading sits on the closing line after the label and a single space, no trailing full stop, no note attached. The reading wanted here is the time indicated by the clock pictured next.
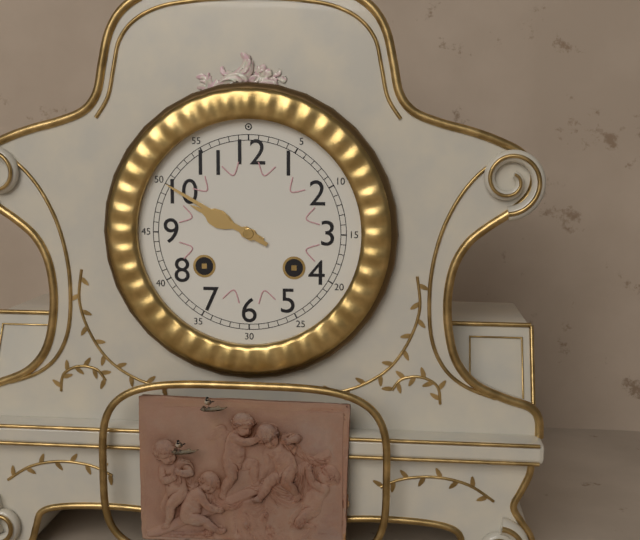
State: 9:50
